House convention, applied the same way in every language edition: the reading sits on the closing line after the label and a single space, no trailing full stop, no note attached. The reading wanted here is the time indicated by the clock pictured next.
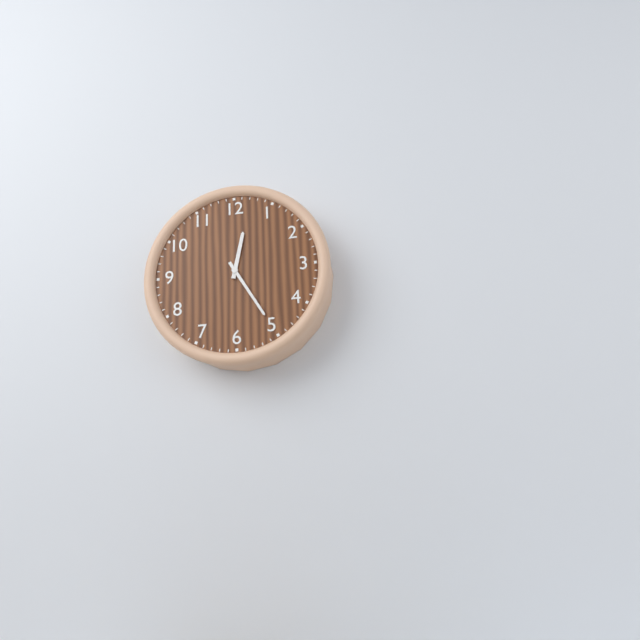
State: 12:25
